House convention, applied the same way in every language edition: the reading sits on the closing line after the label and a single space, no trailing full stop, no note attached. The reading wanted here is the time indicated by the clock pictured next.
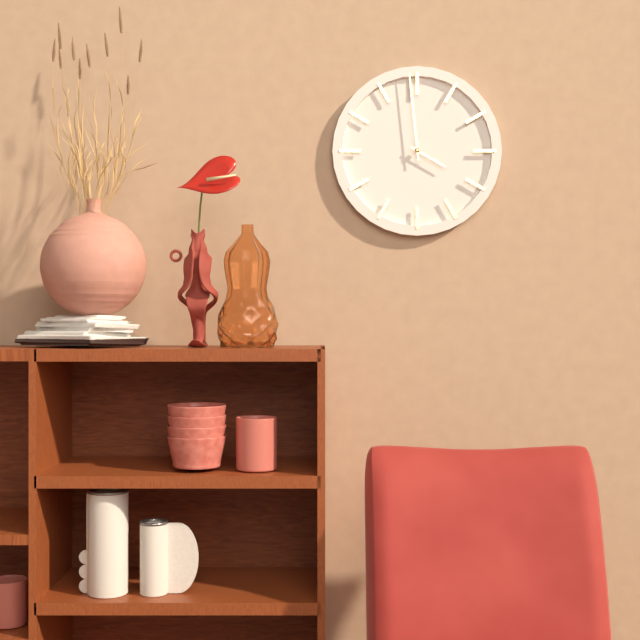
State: 3:59
